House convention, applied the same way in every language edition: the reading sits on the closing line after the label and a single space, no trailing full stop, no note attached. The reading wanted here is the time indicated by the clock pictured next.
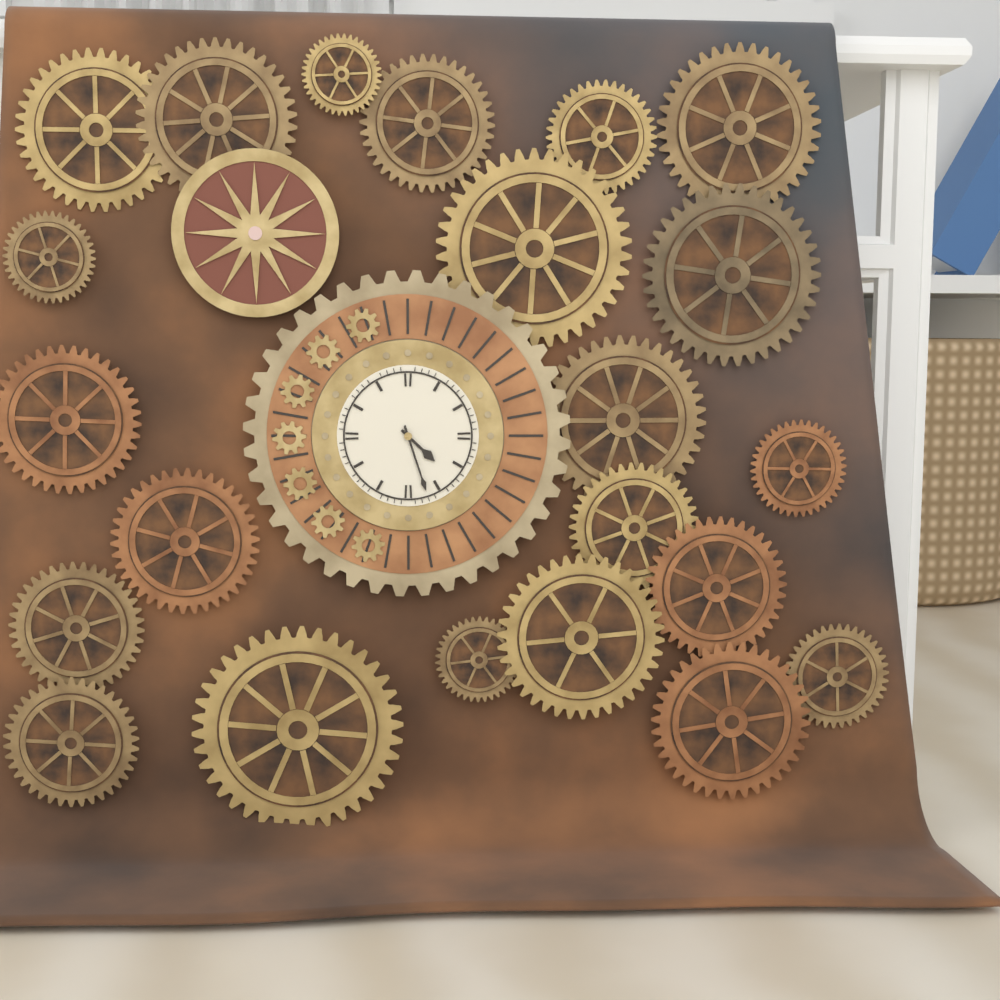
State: 4:27
